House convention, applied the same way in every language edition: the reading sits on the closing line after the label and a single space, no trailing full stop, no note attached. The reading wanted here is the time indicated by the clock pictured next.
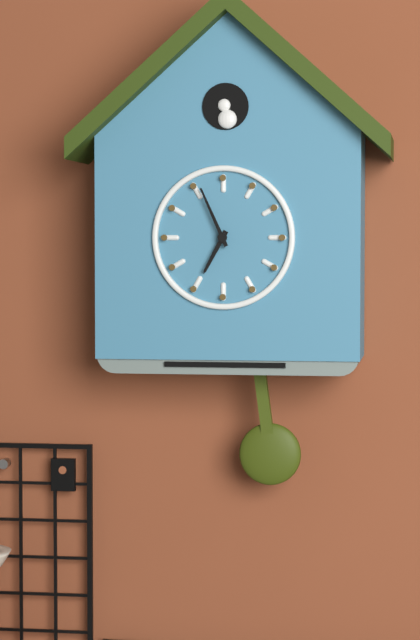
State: 6:56
